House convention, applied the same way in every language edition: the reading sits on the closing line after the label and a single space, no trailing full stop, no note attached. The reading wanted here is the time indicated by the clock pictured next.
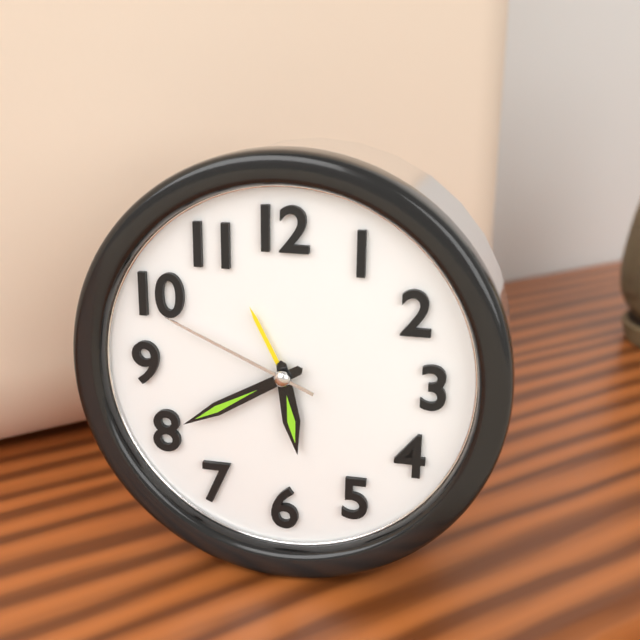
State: 5:40:49
